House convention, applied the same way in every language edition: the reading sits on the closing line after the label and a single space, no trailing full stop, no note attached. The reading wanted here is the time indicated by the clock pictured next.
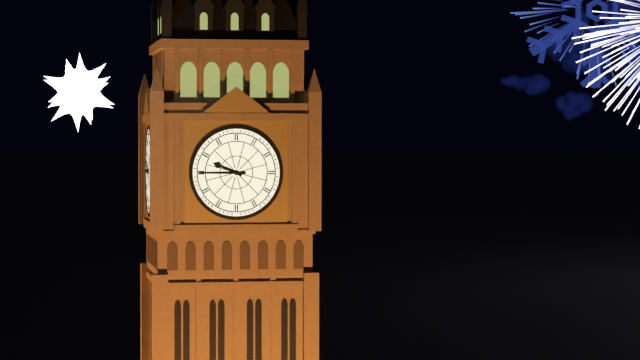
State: 9:45
